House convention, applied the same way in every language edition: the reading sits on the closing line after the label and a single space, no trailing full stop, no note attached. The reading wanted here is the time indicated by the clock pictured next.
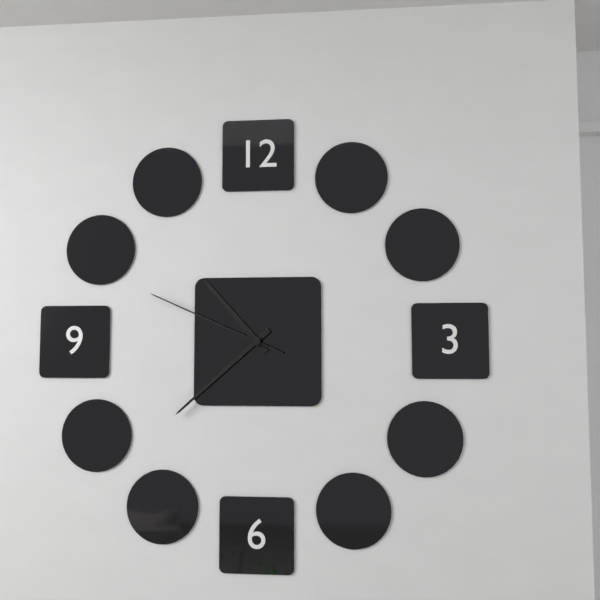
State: 10:38:49
